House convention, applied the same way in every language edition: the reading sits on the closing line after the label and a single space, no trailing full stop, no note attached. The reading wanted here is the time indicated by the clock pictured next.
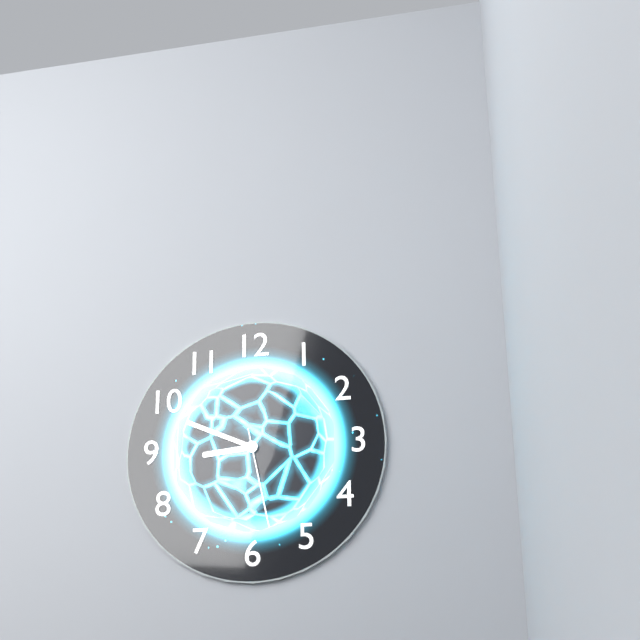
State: 8:49:28
